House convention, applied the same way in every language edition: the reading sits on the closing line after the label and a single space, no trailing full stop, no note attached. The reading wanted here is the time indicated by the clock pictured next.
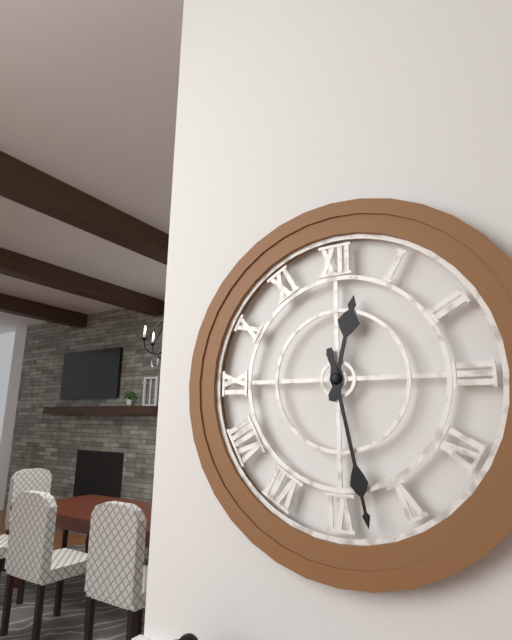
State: 12:28
